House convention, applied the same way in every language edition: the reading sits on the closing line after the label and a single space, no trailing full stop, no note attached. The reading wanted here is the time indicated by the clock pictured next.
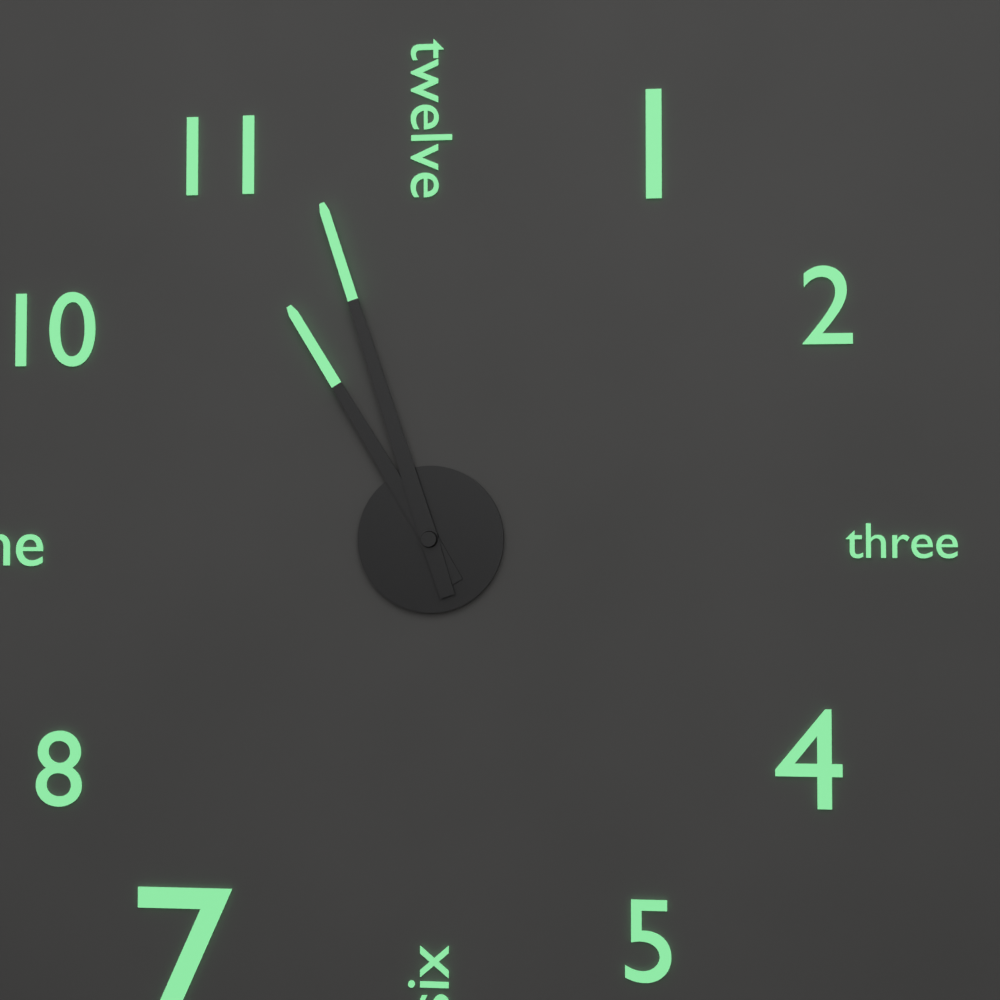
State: 10:57
